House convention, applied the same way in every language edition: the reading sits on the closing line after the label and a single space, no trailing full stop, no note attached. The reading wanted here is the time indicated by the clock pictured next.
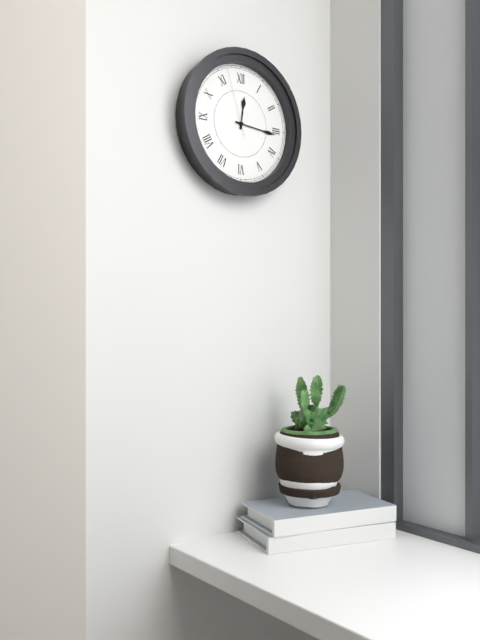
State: 12:16:57
